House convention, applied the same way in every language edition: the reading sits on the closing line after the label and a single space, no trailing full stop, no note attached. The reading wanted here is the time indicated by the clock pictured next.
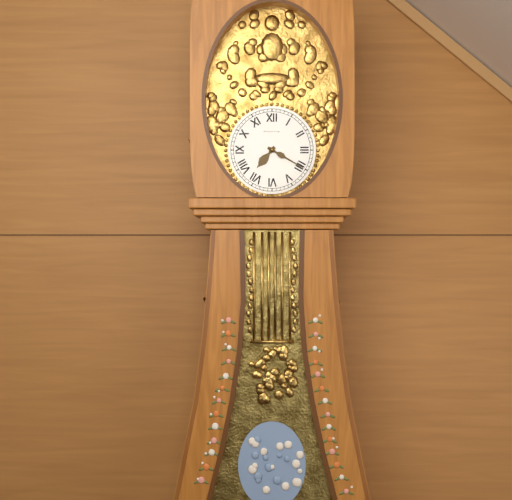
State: 7:20
